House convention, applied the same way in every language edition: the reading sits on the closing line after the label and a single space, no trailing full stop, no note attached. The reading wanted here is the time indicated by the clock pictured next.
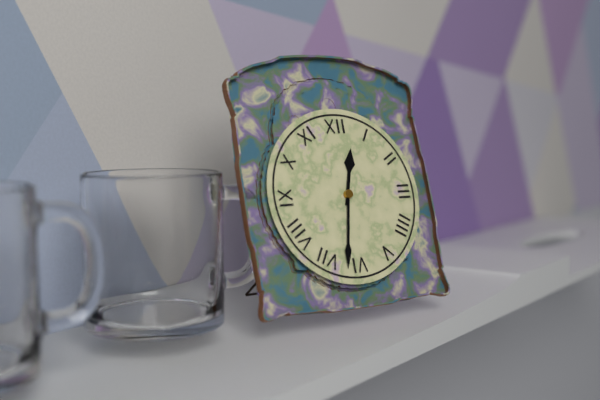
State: 12:32
